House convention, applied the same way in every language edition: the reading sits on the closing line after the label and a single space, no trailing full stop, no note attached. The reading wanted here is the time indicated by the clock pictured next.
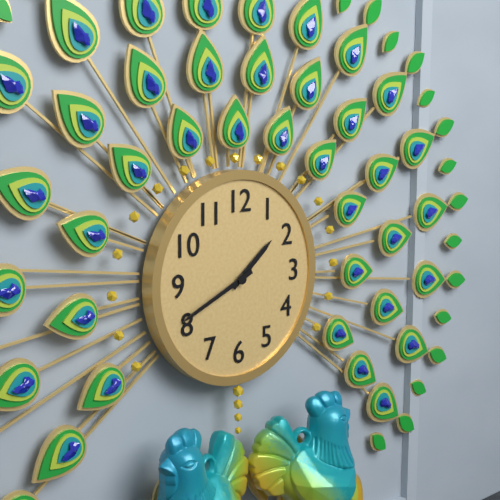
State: 1:41
